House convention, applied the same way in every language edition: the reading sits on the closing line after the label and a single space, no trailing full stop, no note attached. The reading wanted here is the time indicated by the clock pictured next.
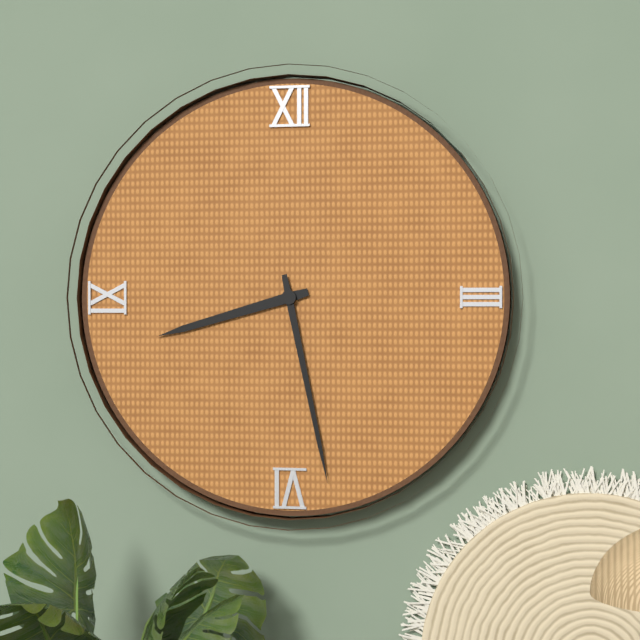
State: 8:28
